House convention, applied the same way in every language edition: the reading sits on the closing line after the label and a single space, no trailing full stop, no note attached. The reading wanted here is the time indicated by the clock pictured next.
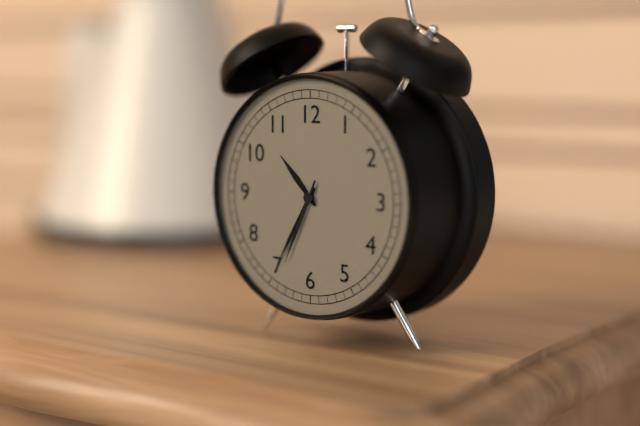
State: 10:35:34
